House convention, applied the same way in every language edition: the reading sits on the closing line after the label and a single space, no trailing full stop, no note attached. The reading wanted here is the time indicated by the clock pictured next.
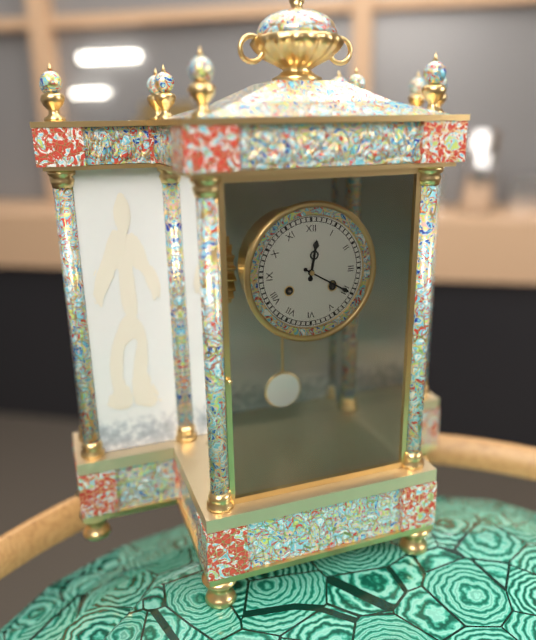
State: 12:20
